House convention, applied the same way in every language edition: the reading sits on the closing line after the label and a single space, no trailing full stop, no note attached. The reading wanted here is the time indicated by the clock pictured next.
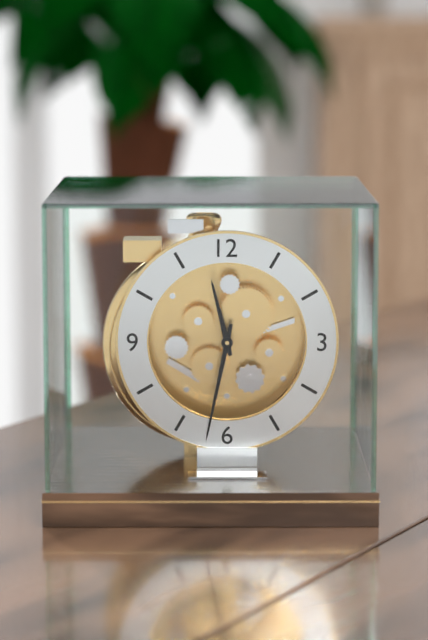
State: 11:32
